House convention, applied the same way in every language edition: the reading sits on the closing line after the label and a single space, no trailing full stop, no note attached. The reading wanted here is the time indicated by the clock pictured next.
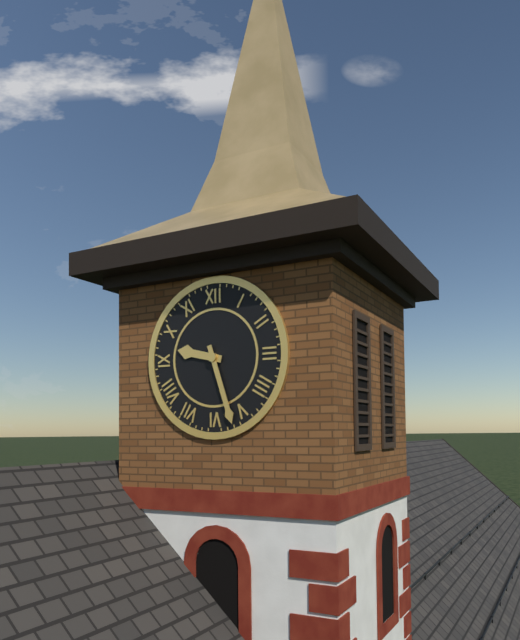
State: 9:27
